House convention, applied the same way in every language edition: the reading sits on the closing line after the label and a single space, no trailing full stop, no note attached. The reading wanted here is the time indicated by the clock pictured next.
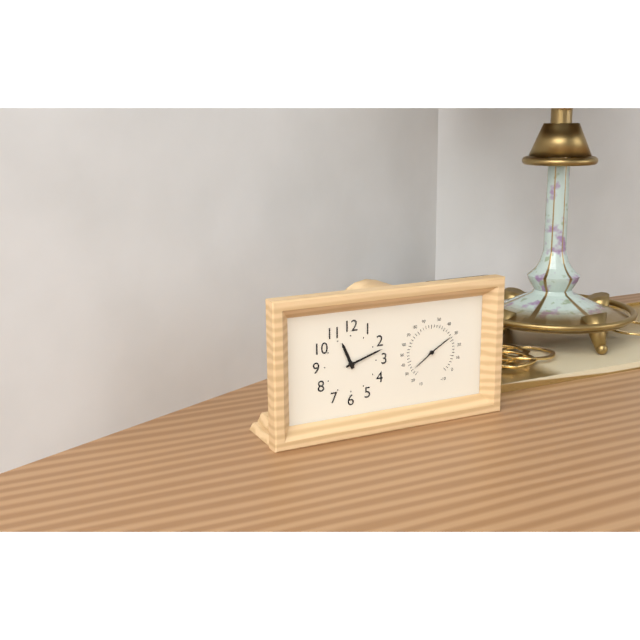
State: 11:12
